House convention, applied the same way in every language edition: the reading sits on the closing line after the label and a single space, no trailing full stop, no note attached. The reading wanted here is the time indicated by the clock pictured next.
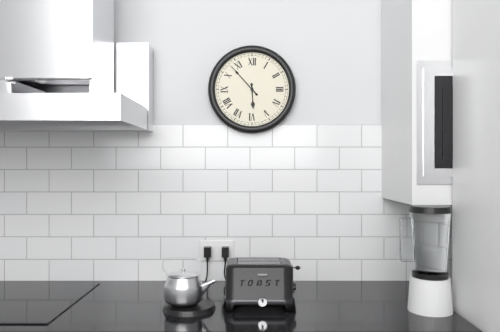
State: 5:53
